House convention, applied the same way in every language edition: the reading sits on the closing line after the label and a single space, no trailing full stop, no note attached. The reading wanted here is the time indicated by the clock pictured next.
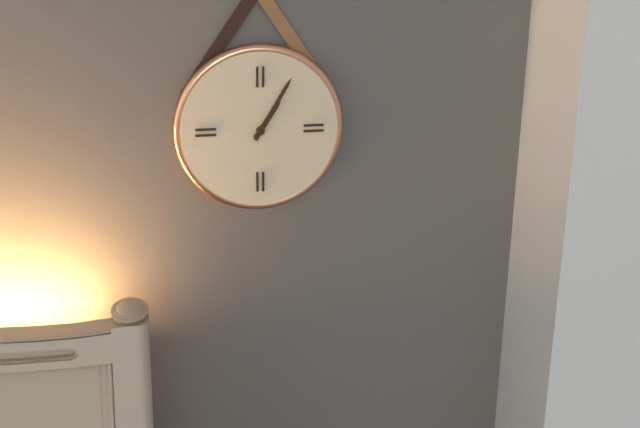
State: 1:05
